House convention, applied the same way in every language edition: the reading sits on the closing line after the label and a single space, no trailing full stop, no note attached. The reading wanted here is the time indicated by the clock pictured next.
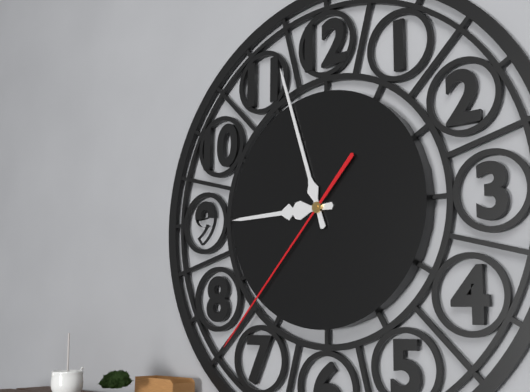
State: 8:57:37
